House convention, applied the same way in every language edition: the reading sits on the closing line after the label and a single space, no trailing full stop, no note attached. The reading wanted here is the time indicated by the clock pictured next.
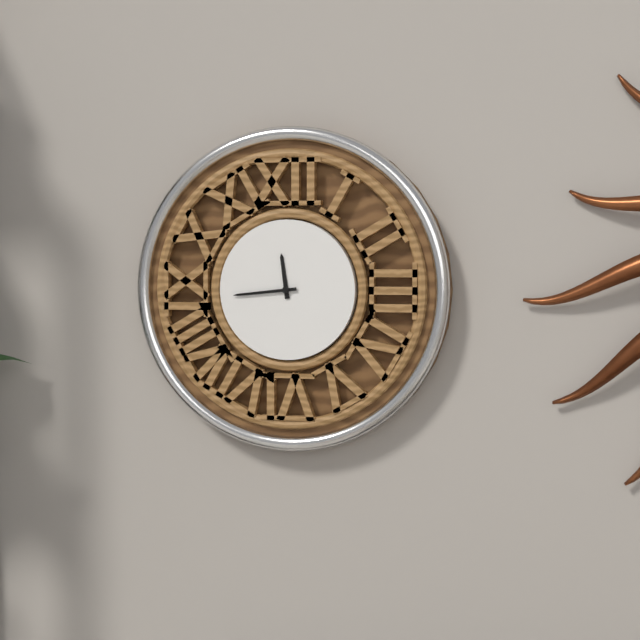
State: 11:44
